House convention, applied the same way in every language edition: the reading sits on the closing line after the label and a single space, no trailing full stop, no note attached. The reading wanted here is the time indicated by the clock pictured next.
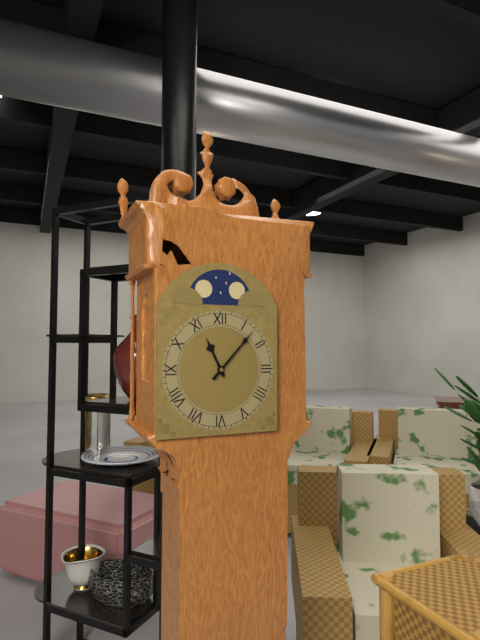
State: 11:07
